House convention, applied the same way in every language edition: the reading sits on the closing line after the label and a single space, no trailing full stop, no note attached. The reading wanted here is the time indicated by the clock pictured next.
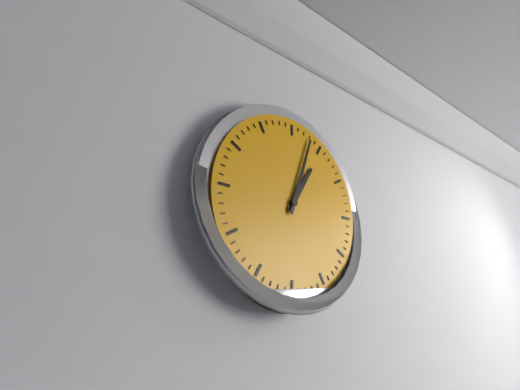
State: 1:03
